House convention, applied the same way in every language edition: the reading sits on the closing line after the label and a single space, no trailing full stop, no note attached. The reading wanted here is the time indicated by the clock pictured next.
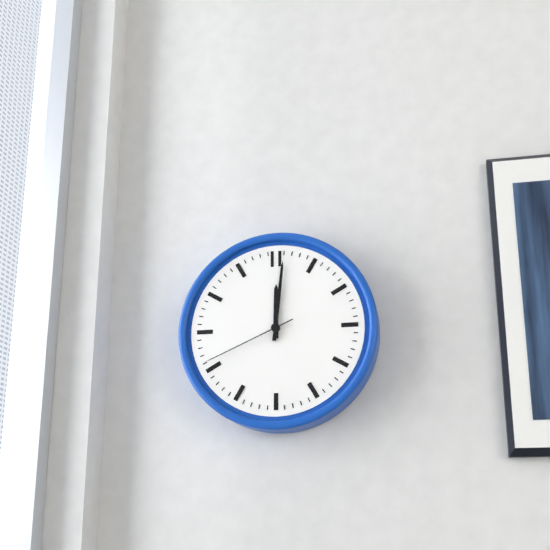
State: 12:01:41
